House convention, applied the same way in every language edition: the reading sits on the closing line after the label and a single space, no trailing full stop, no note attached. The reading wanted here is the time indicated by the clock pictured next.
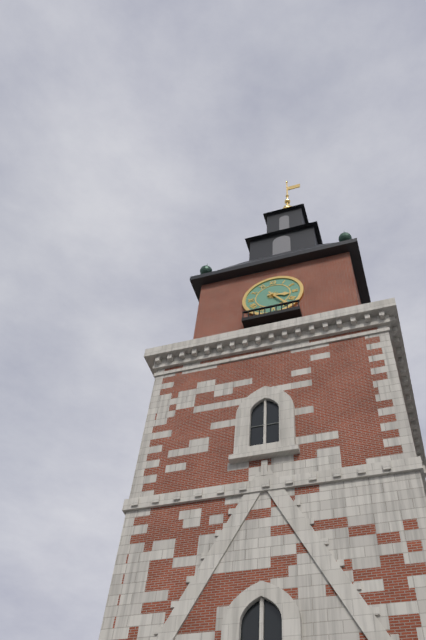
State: 3:24
